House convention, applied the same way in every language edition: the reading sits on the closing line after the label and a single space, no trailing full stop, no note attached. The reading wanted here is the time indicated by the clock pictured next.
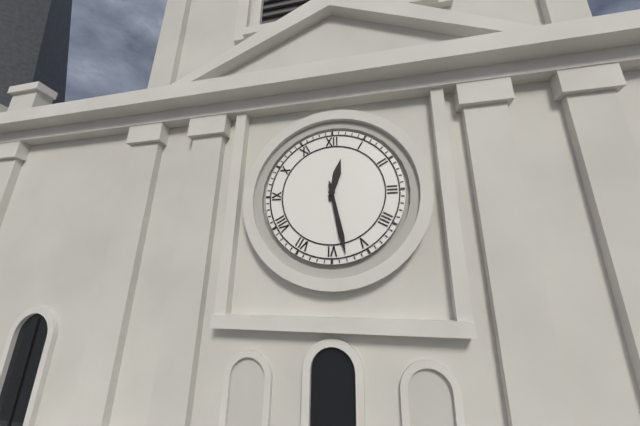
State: 12:28
